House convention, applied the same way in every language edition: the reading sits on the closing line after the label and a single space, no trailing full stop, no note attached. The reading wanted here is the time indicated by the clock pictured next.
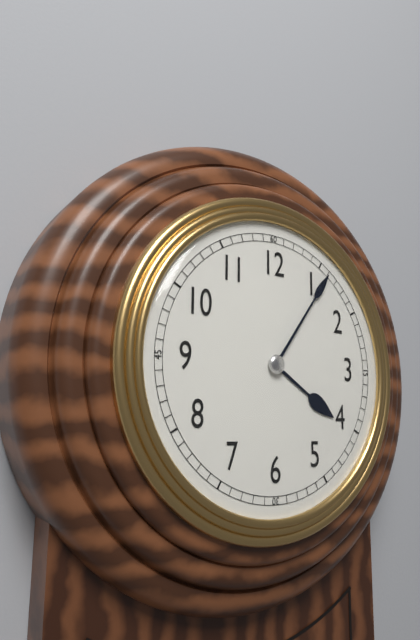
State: 4:06
